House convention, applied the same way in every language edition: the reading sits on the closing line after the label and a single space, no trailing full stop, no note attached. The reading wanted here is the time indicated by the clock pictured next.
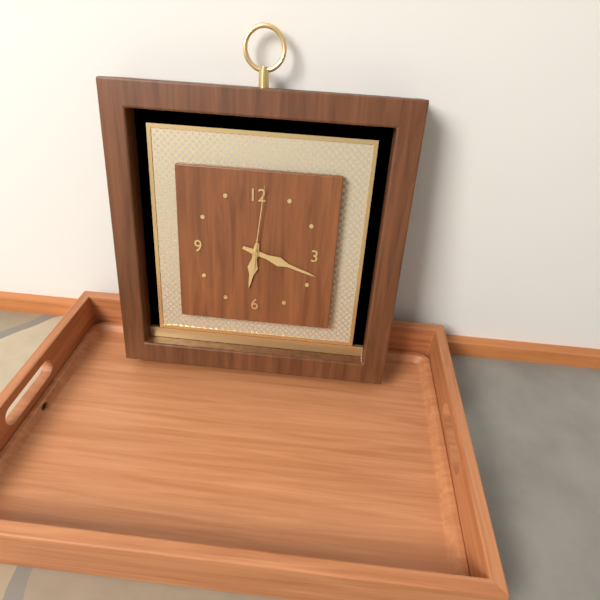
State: 6:18:01
